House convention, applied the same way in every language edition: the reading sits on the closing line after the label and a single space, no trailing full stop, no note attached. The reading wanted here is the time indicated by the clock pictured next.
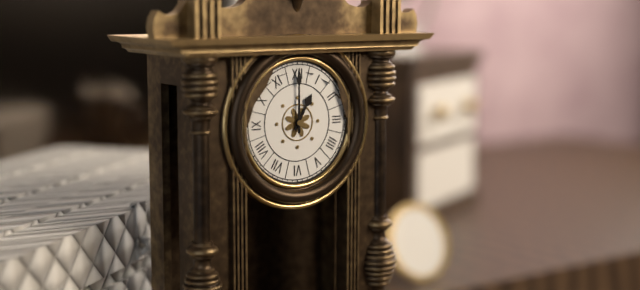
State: 1:00
